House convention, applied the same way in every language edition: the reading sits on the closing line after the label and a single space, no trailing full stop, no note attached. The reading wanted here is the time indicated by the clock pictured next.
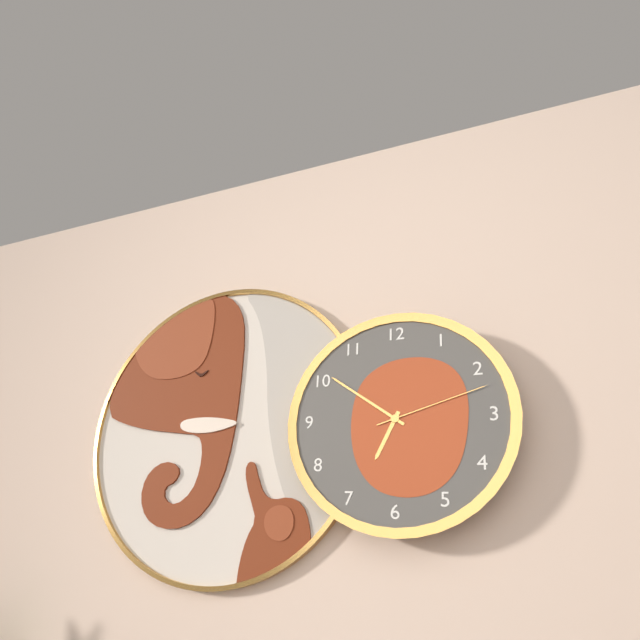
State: 6:51:12
